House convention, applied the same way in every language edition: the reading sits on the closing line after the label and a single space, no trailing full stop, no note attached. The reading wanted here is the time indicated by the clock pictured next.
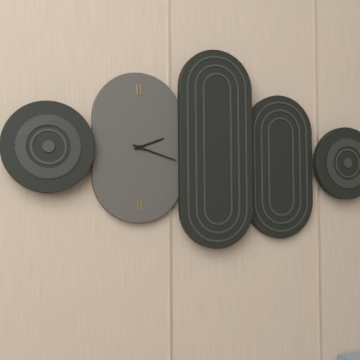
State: 2:18
